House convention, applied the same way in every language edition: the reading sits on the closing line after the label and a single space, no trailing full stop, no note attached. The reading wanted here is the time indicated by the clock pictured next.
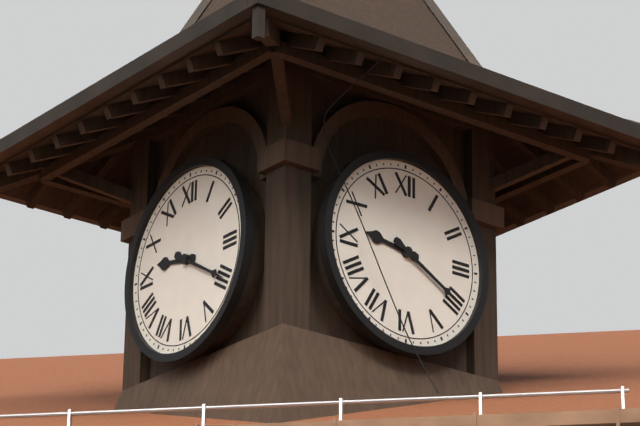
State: 9:20
